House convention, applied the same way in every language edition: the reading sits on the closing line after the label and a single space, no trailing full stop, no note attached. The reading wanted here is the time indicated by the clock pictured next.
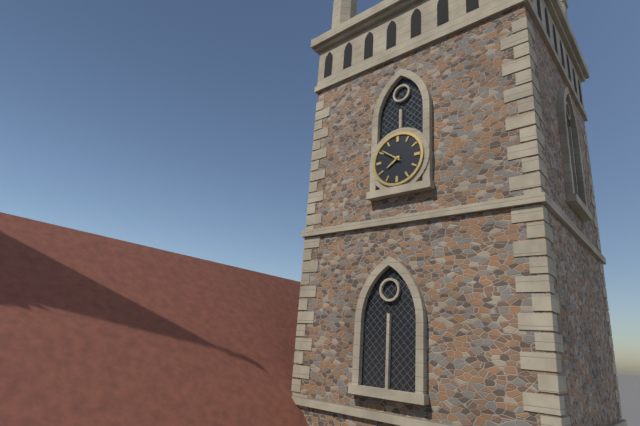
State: 7:51
